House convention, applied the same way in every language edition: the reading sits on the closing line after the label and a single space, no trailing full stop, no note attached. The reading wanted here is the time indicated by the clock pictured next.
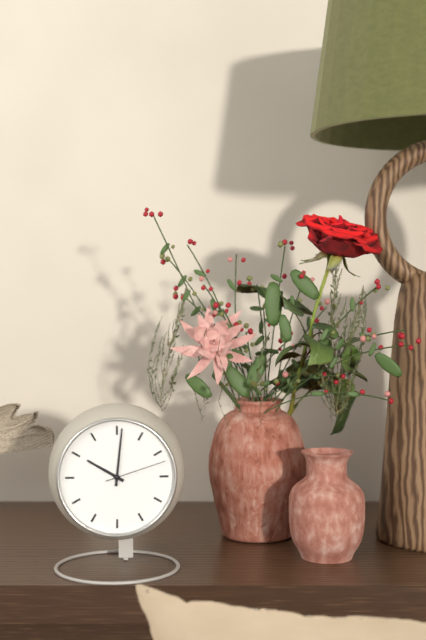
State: 10:01:12
